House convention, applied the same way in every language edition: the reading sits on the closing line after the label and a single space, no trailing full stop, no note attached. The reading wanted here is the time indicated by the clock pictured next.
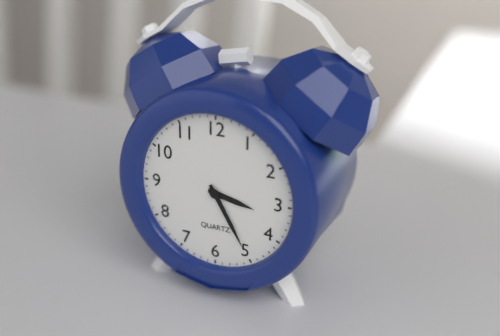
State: 3:25
